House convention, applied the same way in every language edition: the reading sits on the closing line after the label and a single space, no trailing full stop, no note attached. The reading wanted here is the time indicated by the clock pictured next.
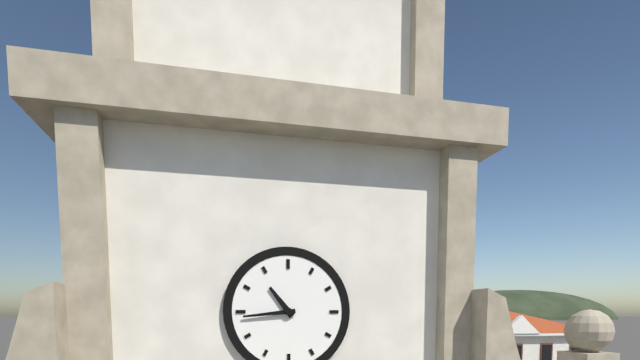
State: 10:44
